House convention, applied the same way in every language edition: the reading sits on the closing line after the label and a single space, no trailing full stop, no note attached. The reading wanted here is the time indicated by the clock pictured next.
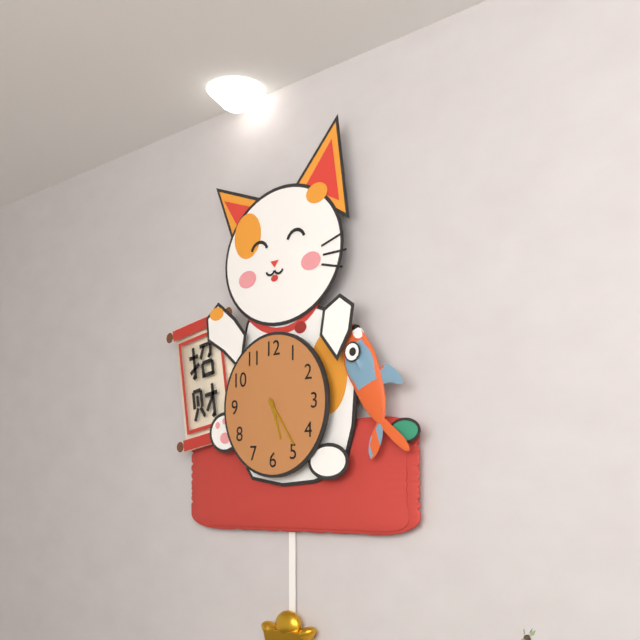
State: 5:24
